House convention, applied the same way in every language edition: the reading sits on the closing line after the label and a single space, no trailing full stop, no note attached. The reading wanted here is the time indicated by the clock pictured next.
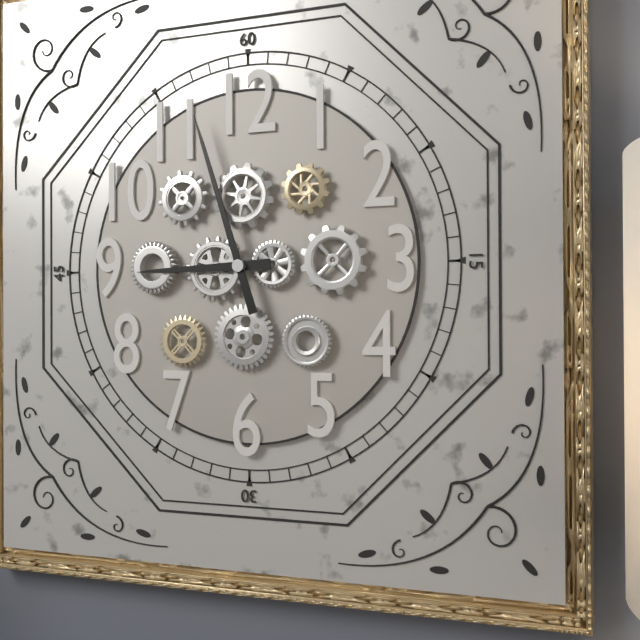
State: 8:57
